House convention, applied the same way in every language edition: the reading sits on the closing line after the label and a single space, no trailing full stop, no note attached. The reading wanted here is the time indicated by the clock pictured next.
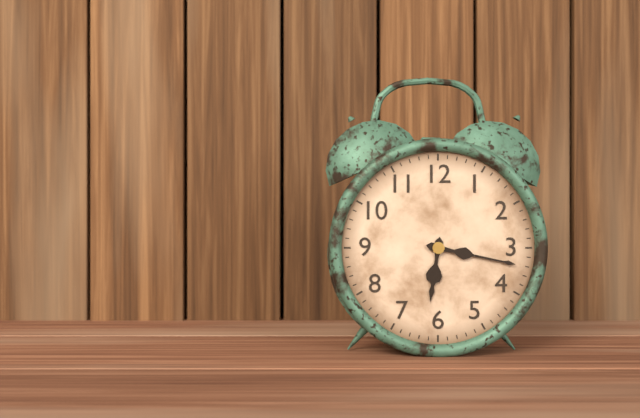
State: 6:17
